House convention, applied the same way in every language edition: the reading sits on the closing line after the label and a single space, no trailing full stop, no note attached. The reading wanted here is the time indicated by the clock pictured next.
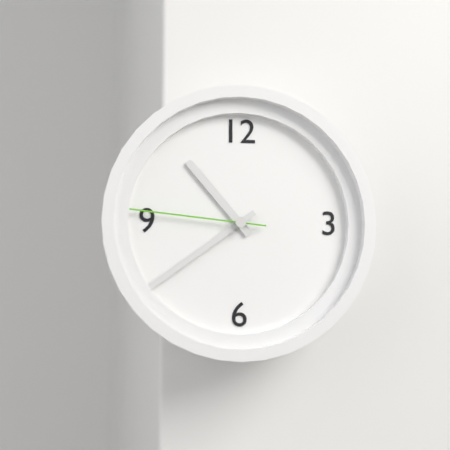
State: 10:39:46
